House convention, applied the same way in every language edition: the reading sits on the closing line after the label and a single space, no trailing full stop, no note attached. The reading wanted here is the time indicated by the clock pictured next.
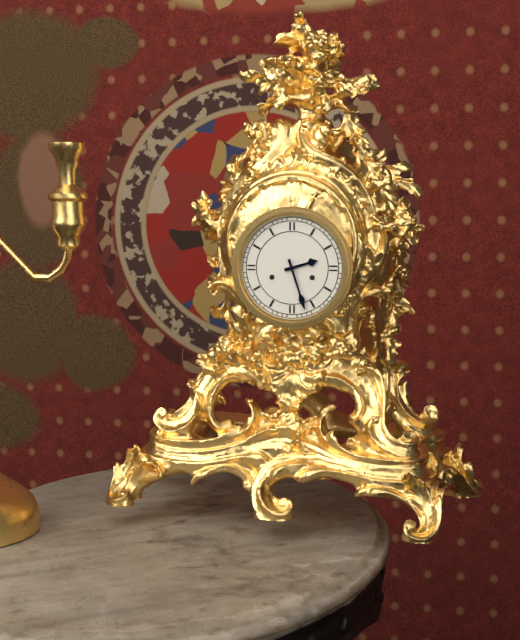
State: 2:27
